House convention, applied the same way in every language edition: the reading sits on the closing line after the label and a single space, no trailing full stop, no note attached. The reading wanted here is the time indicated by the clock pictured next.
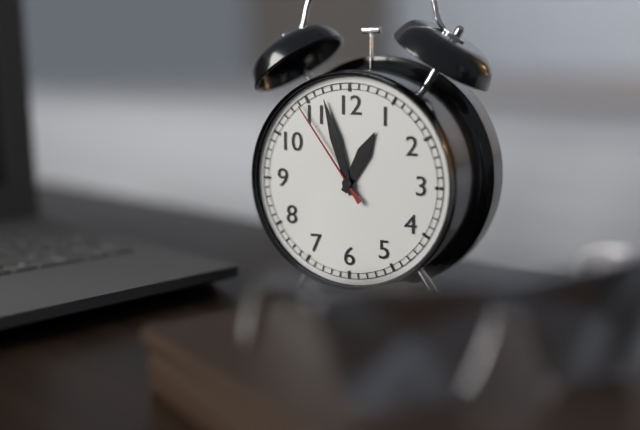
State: 12:57:54
